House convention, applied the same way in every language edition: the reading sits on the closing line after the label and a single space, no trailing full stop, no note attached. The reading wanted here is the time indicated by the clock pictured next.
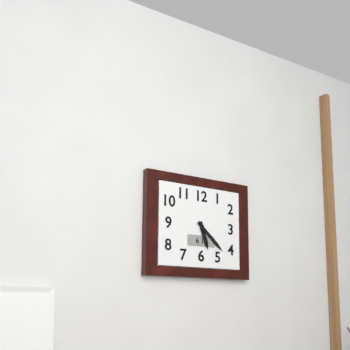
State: 5:22
